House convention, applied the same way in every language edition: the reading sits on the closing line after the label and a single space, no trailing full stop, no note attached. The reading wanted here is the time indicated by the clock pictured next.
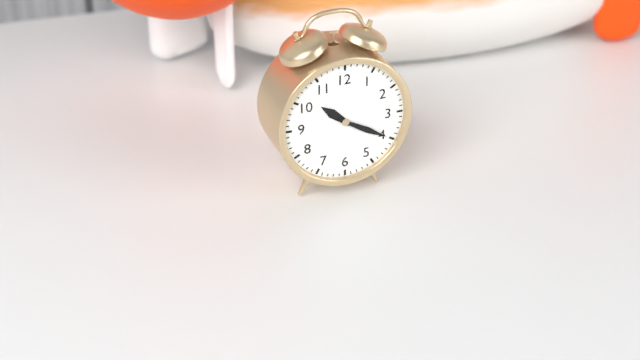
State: 10:20
